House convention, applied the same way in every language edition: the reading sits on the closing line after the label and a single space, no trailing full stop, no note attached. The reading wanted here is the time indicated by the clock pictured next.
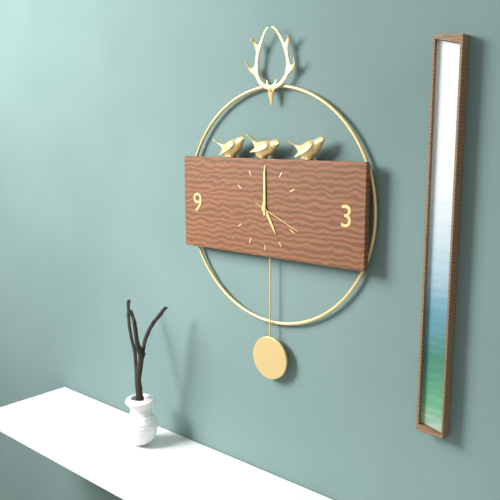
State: 5:00:19
